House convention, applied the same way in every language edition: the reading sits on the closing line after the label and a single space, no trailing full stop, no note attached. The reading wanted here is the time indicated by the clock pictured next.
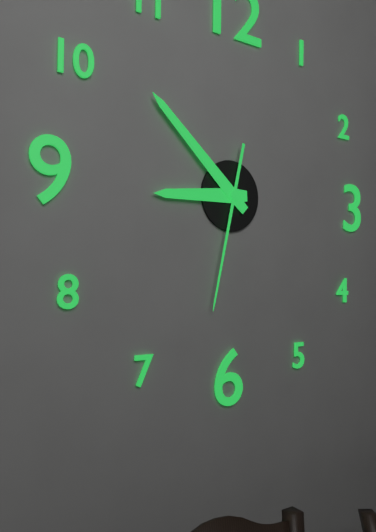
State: 8:52:32
